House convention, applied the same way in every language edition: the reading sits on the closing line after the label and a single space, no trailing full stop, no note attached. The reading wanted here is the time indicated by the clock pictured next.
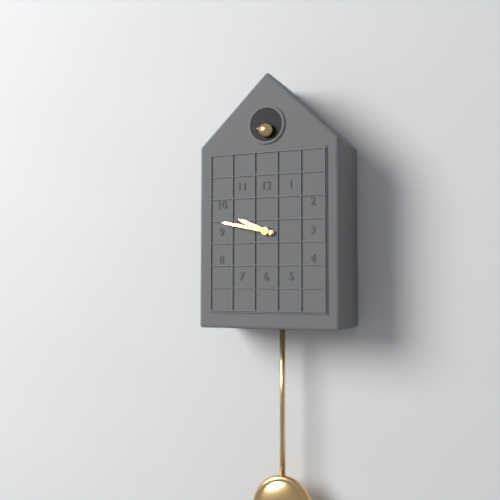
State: 9:47
